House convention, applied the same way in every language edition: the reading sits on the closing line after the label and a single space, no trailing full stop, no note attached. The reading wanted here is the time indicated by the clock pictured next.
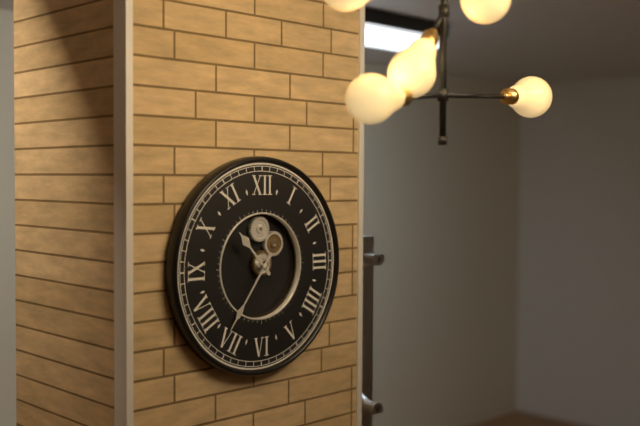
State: 10:36
